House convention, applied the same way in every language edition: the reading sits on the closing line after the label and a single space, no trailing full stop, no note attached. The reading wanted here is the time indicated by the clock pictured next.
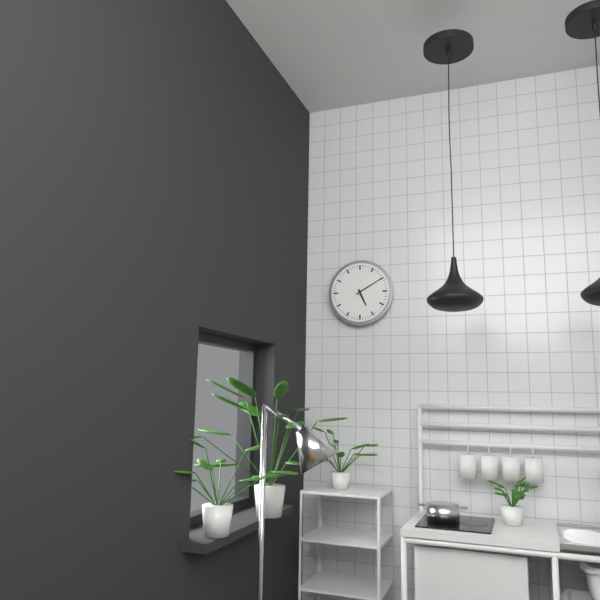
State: 5:10
